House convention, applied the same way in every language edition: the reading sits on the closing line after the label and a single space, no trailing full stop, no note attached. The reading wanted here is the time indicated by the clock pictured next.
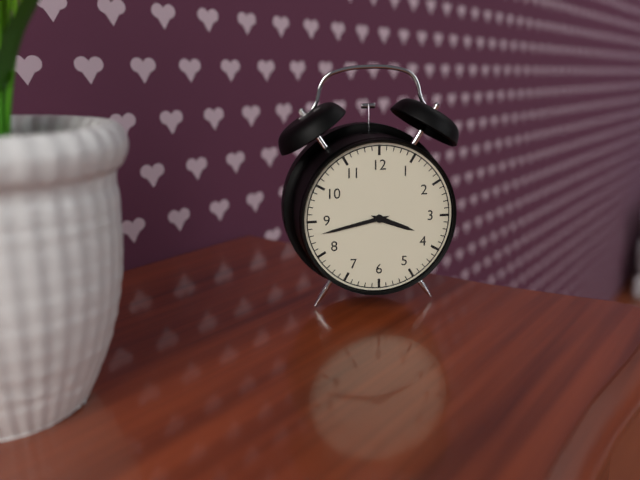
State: 3:43
